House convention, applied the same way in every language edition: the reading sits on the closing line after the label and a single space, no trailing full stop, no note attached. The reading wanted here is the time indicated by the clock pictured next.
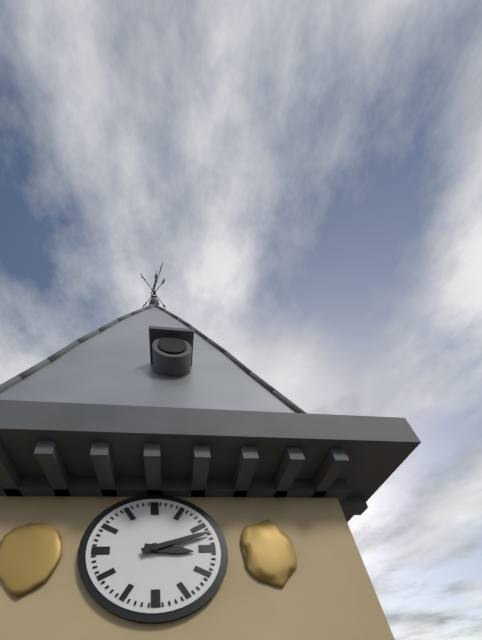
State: 3:12
